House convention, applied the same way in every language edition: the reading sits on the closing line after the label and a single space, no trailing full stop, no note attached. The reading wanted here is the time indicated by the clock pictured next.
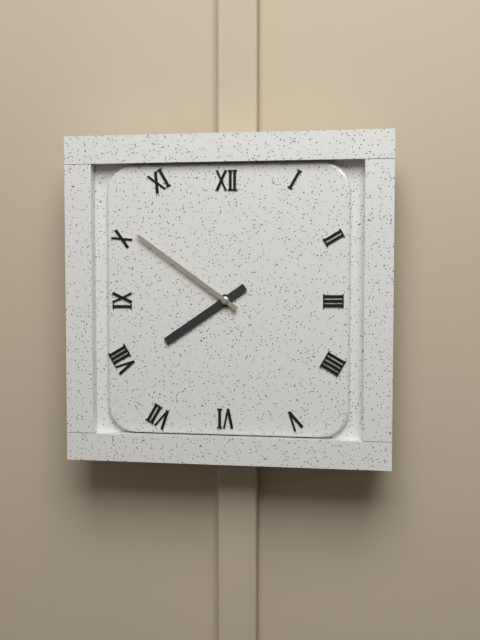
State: 7:51
